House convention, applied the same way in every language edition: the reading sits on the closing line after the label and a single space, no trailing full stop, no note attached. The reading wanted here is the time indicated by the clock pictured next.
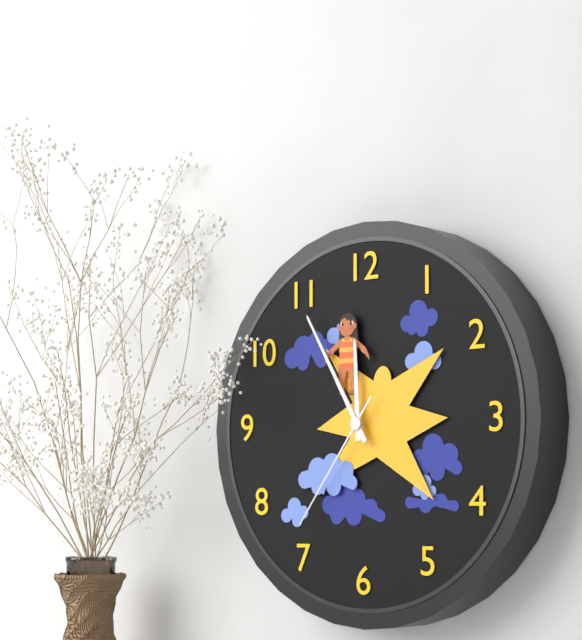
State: 11:55:36
